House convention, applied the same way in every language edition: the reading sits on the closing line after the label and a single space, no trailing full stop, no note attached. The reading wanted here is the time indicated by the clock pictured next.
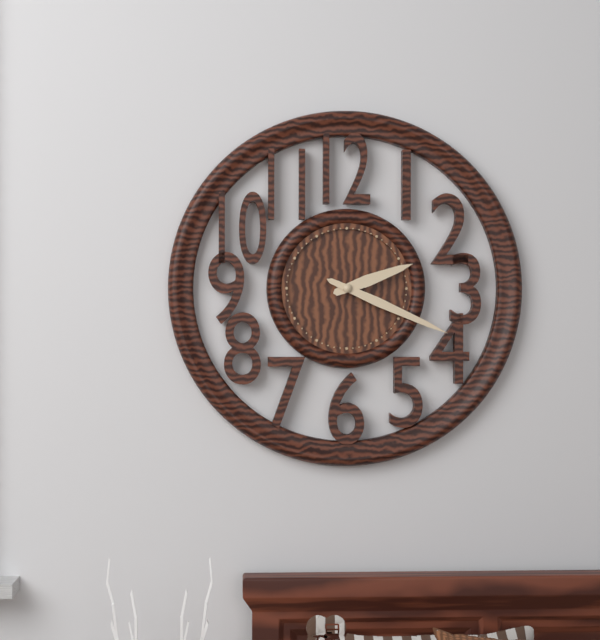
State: 2:19
